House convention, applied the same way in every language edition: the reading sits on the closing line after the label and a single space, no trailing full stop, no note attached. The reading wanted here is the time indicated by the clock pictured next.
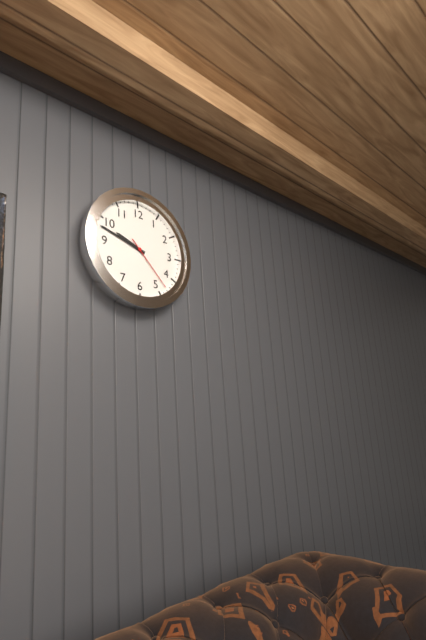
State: 9:48:23
